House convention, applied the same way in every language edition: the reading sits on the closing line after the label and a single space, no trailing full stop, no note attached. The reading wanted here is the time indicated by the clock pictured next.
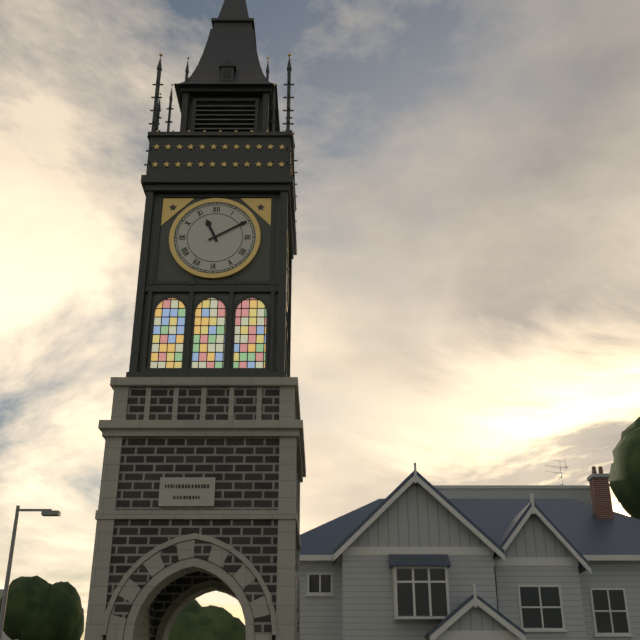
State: 11:10
